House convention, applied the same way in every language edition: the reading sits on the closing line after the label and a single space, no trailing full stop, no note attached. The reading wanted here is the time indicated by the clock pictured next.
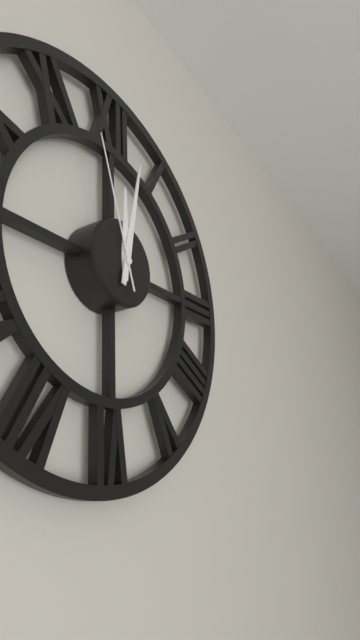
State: 12:02:57
